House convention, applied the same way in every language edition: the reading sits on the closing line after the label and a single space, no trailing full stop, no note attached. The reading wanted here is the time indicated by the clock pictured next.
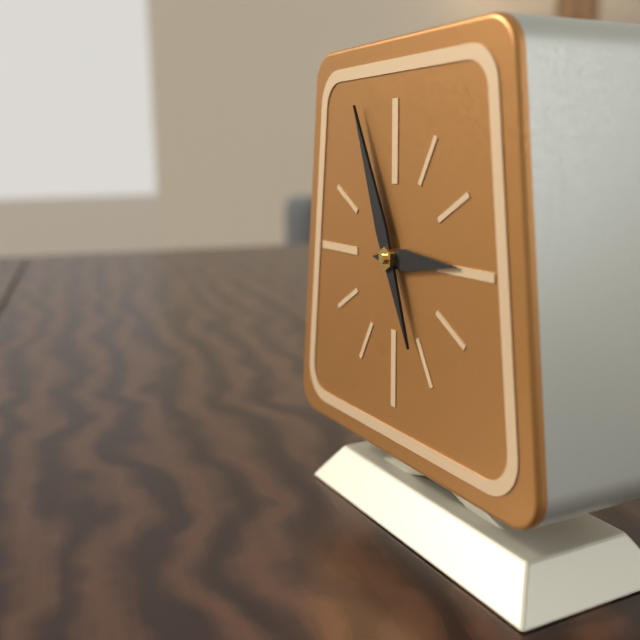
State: 2:56
